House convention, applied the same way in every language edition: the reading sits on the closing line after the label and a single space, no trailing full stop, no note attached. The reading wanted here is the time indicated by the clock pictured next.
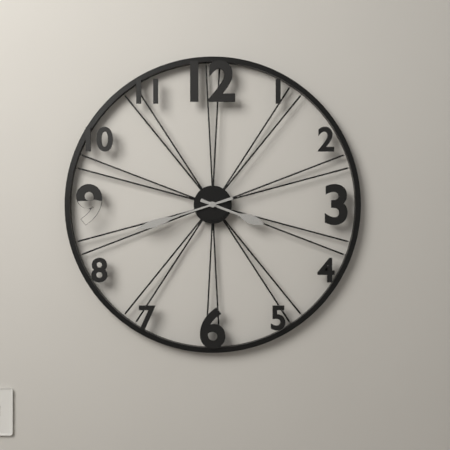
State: 3:42
